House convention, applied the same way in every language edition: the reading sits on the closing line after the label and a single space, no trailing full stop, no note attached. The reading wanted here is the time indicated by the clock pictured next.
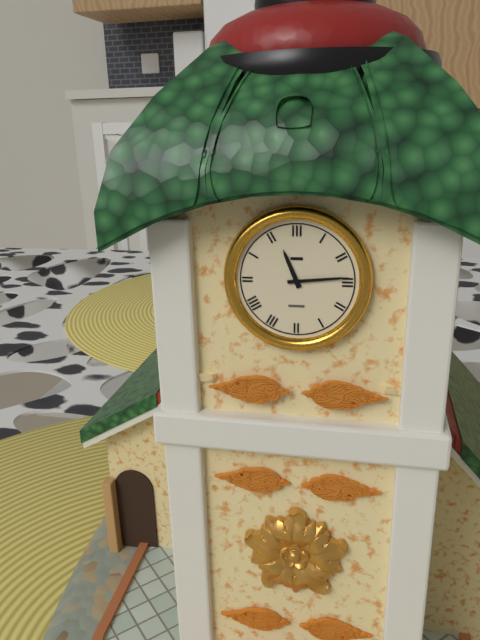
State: 11:14
